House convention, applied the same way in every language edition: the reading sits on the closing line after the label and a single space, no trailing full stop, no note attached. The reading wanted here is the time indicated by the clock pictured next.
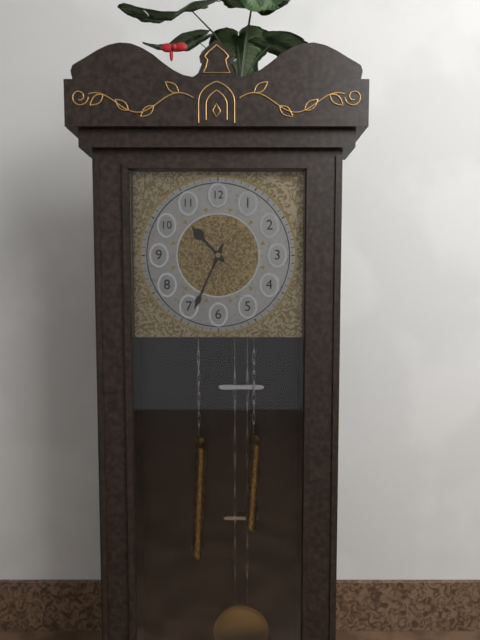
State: 10:34
